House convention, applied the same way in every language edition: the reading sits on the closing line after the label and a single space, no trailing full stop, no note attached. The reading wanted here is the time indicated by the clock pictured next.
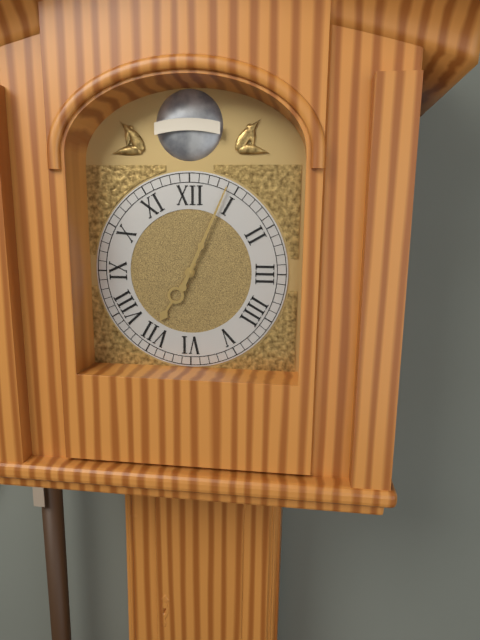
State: 7:04
